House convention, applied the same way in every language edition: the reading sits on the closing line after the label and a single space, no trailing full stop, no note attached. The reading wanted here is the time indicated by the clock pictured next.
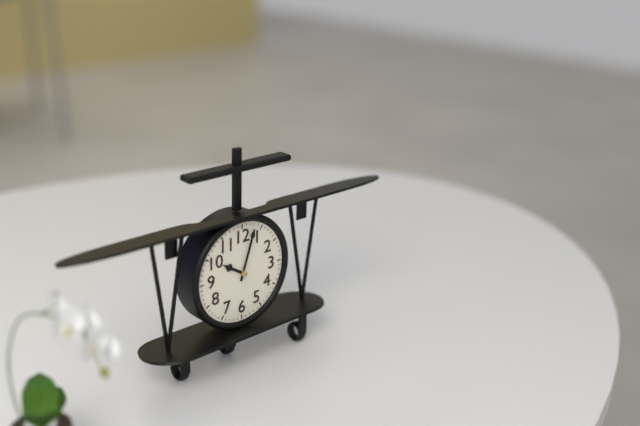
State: 10:03
